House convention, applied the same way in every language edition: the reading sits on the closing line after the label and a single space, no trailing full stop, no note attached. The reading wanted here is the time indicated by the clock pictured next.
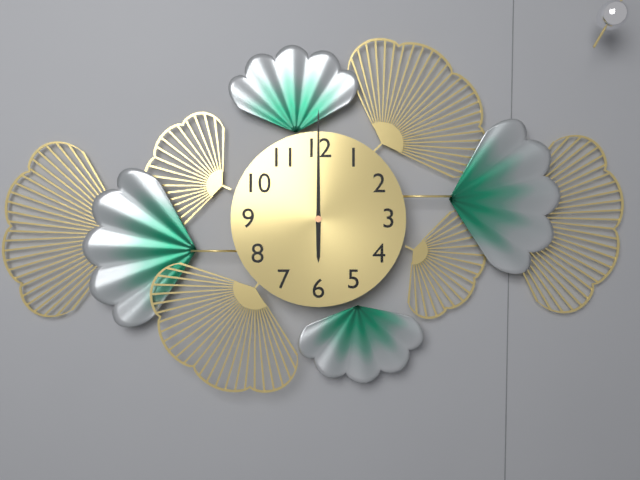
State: 6:00
